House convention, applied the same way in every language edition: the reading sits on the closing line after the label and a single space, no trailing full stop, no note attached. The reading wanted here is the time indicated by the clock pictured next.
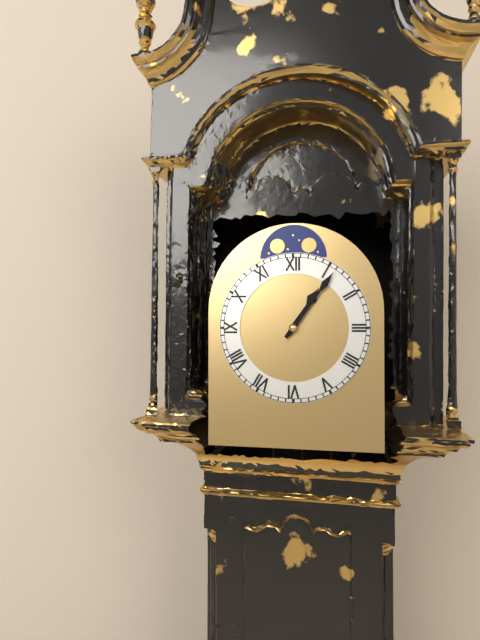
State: 1:06
